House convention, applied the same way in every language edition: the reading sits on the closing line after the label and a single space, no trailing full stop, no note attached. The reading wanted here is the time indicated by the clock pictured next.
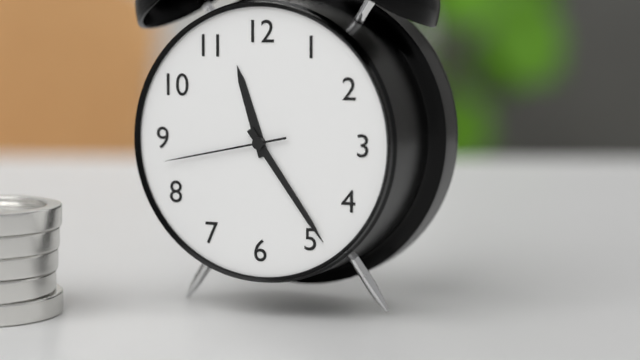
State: 11:24:43
